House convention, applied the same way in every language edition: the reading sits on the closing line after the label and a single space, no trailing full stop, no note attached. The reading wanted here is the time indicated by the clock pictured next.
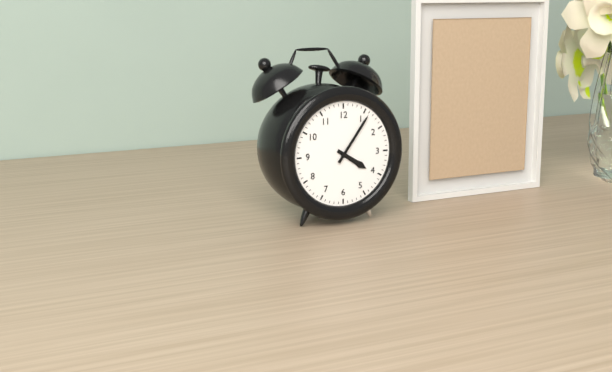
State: 4:06
